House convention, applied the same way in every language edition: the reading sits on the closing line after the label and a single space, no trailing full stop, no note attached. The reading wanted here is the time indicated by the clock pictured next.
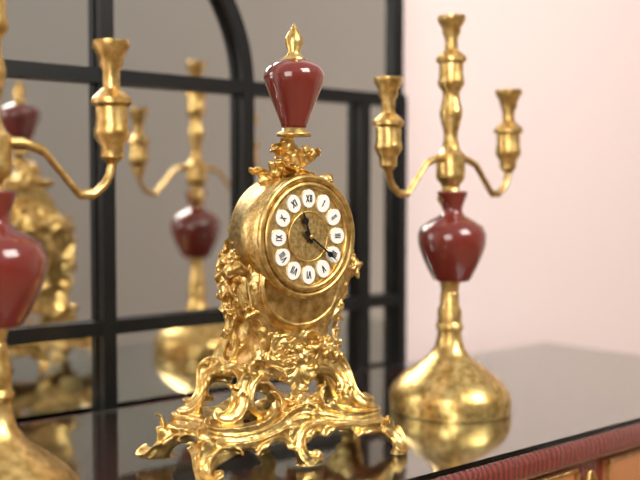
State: 11:21
